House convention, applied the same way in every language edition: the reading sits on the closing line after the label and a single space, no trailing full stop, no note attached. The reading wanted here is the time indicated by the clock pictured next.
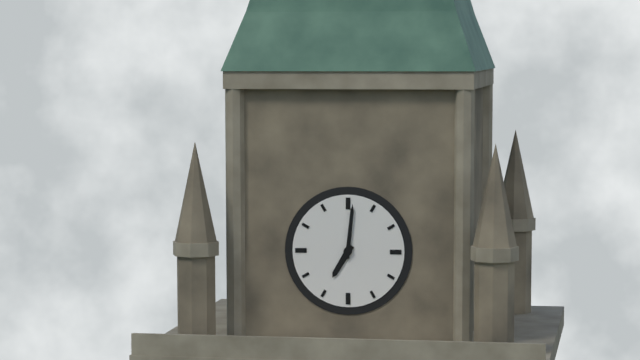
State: 7:01
